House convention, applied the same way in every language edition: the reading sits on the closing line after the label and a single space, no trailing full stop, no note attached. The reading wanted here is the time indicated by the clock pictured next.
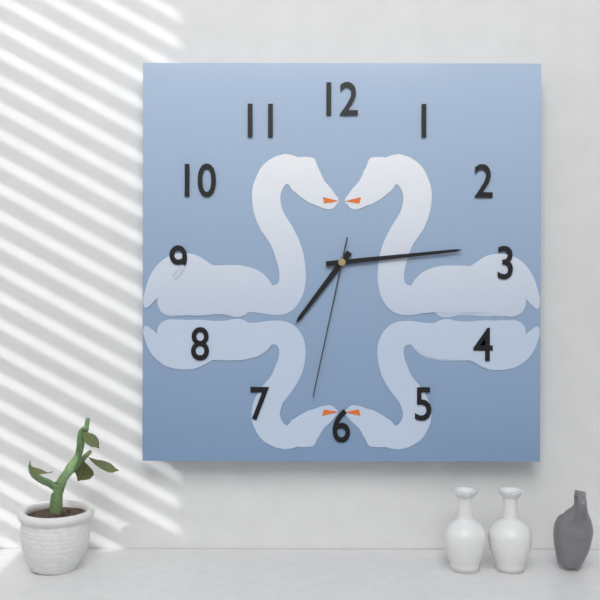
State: 7:14:32
